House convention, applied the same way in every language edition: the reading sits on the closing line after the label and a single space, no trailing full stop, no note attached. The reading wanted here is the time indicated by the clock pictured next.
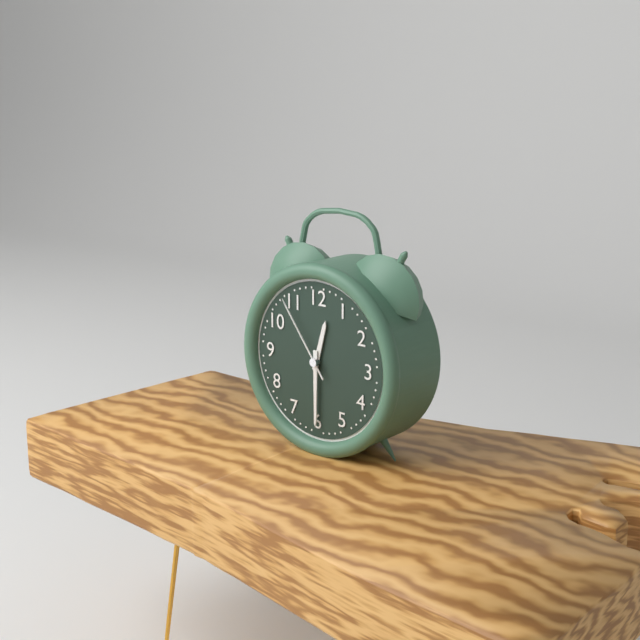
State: 12:30:54
